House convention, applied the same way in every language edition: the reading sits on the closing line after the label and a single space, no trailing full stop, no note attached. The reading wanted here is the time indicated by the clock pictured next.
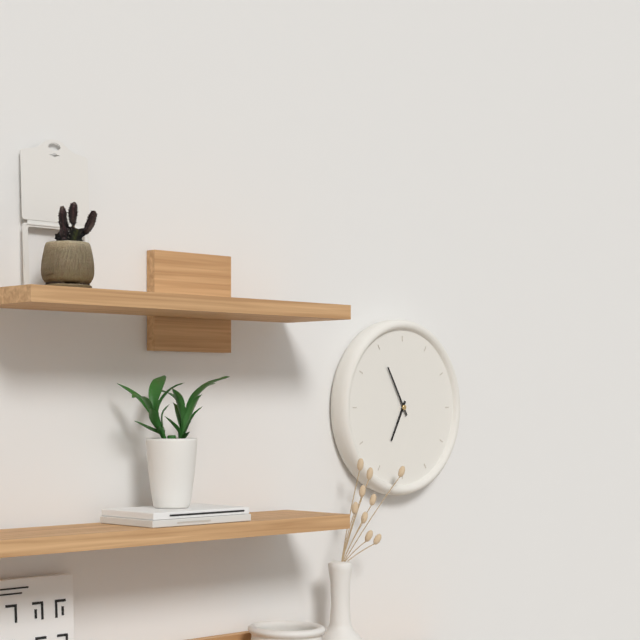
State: 6:55
